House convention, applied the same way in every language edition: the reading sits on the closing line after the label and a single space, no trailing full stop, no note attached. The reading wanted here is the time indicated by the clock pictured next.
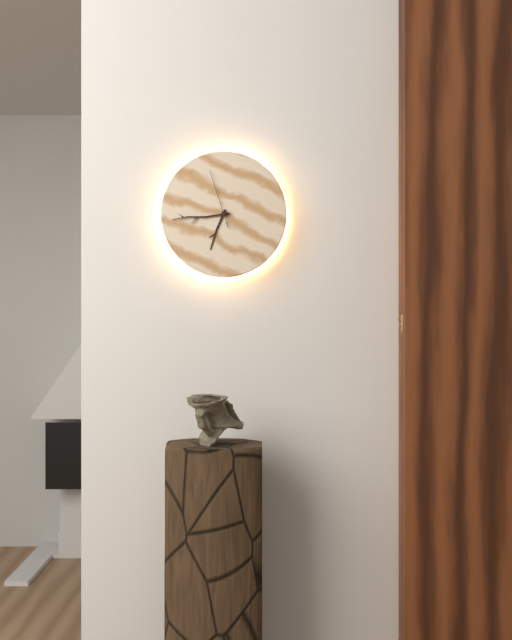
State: 6:44:57
